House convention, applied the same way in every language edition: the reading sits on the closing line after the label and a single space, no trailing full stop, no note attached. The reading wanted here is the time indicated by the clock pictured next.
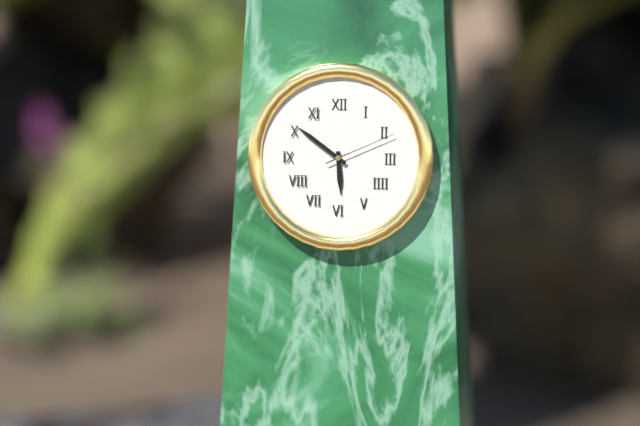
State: 5:51:11
